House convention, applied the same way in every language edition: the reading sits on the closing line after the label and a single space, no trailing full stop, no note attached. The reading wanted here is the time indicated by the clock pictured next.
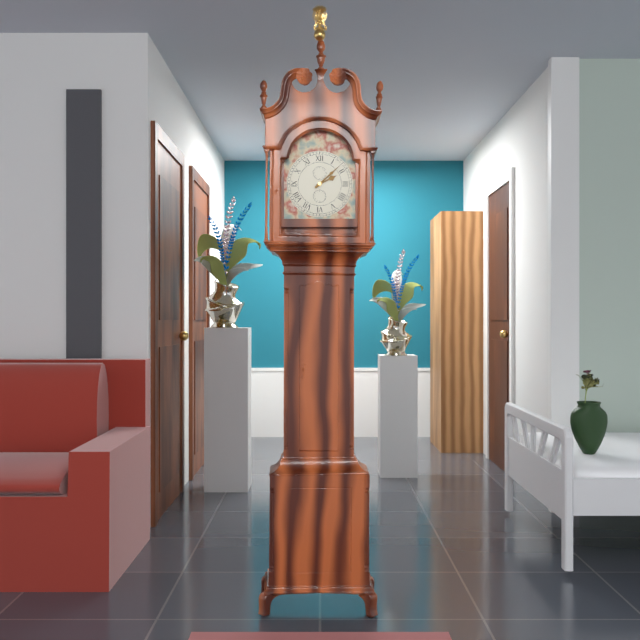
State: 2:08
